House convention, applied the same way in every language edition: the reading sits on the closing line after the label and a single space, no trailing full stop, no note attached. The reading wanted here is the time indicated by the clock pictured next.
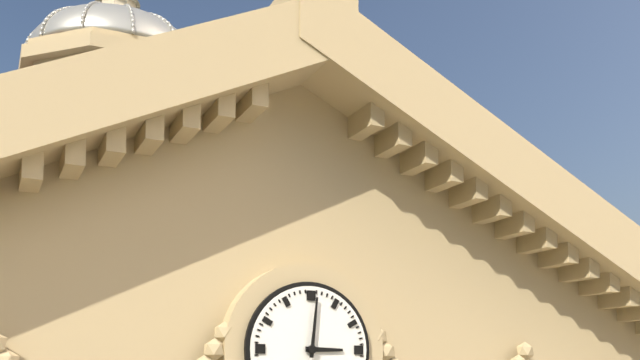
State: 3:01
